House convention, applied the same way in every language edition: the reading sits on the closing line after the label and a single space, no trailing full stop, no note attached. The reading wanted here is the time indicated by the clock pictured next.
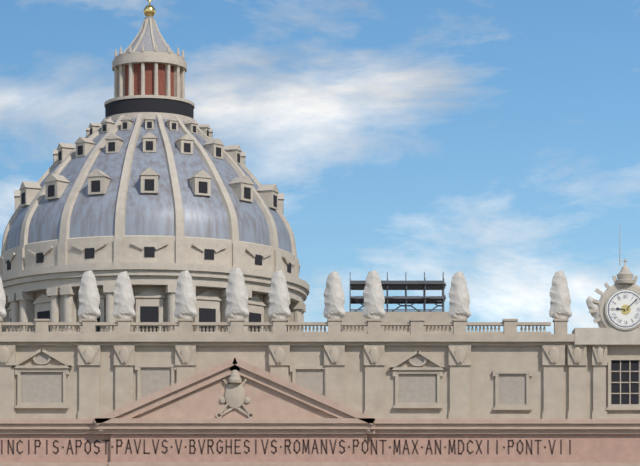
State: 9:08
